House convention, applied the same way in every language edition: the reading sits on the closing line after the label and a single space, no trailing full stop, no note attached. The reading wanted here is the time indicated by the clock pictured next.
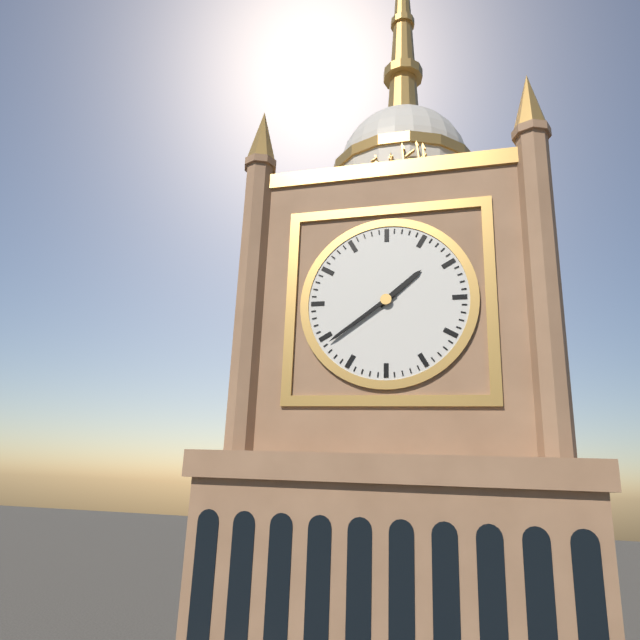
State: 1:39
